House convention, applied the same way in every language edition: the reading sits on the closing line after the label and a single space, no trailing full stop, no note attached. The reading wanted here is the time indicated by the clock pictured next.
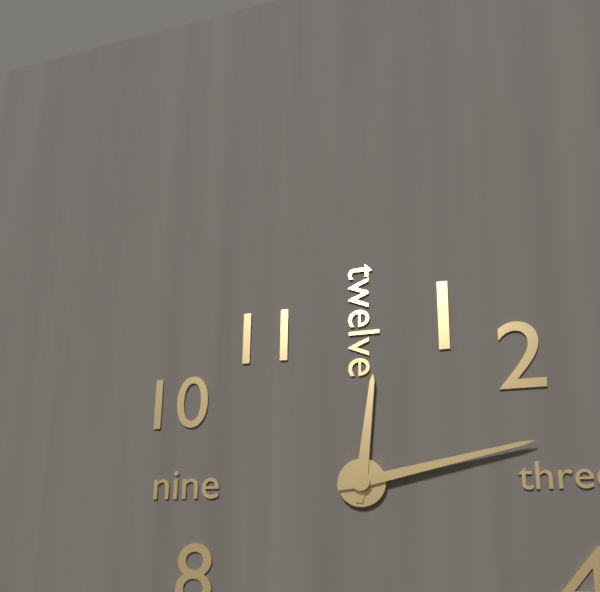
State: 12:13
